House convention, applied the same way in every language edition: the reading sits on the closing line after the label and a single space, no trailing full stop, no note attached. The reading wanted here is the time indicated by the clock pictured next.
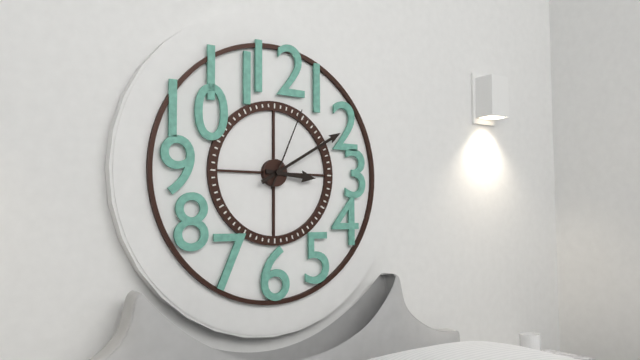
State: 3:10:04
